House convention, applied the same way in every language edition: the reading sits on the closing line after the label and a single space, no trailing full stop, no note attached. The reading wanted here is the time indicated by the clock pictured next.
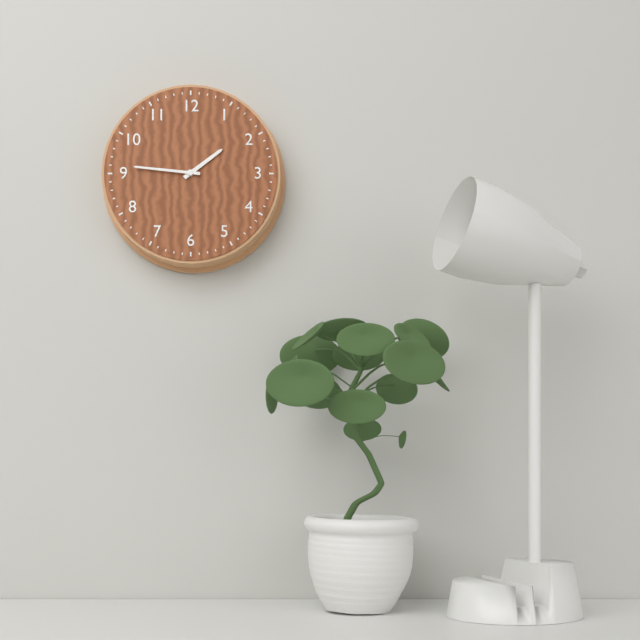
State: 1:46
